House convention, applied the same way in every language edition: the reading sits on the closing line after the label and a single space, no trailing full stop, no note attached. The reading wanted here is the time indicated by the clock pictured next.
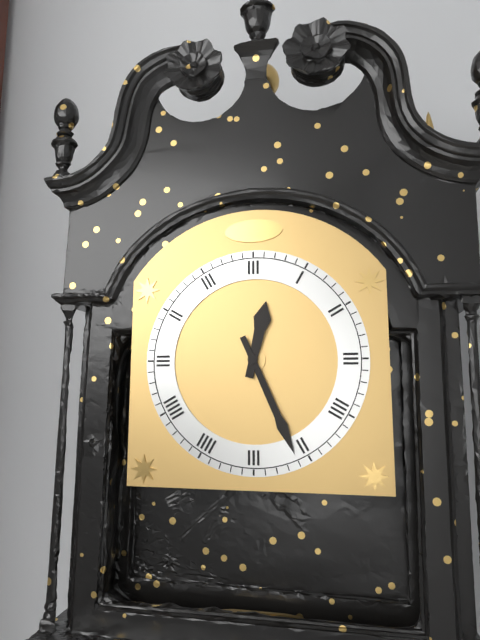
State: 12:26
